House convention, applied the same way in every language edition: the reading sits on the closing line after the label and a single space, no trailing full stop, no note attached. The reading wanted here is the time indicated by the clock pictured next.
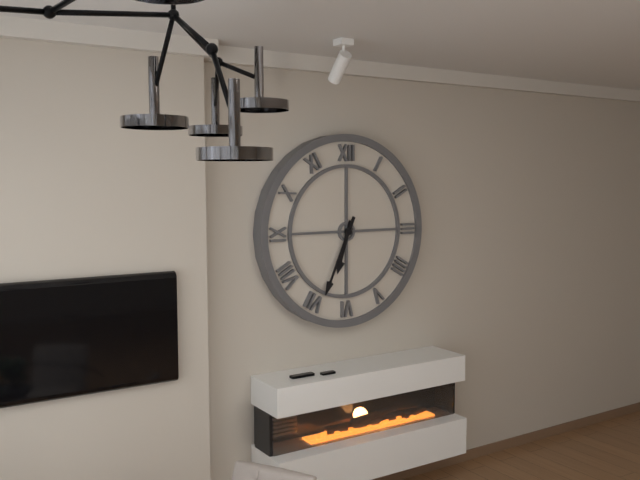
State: 6:34
